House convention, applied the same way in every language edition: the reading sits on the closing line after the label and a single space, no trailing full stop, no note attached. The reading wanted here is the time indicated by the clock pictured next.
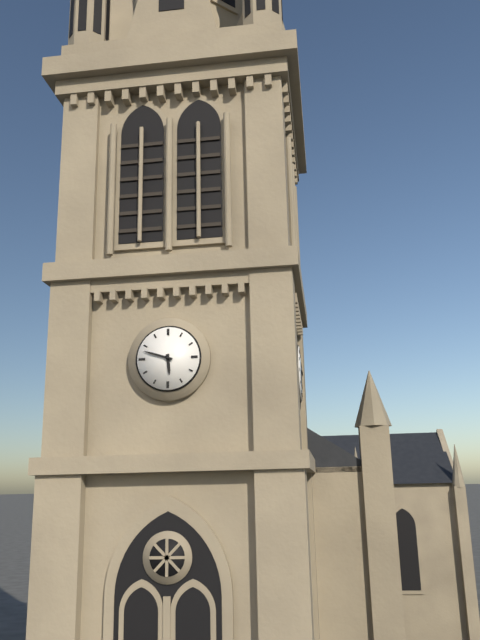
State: 5:48
